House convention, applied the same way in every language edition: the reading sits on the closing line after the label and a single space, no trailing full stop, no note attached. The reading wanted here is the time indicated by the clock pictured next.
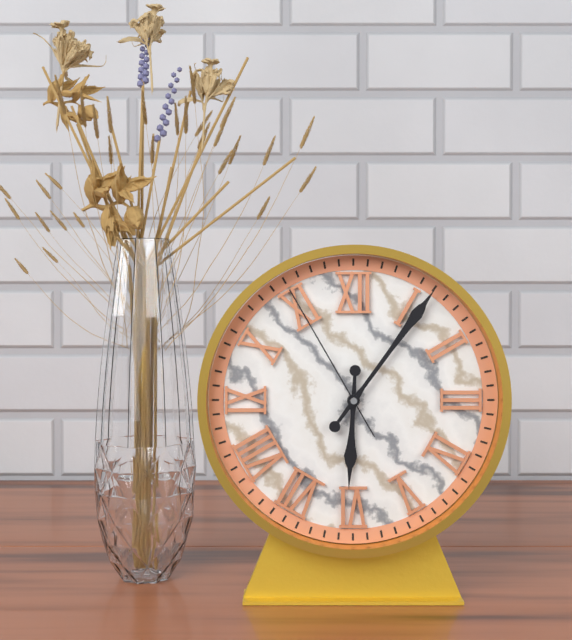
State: 6:06:55
